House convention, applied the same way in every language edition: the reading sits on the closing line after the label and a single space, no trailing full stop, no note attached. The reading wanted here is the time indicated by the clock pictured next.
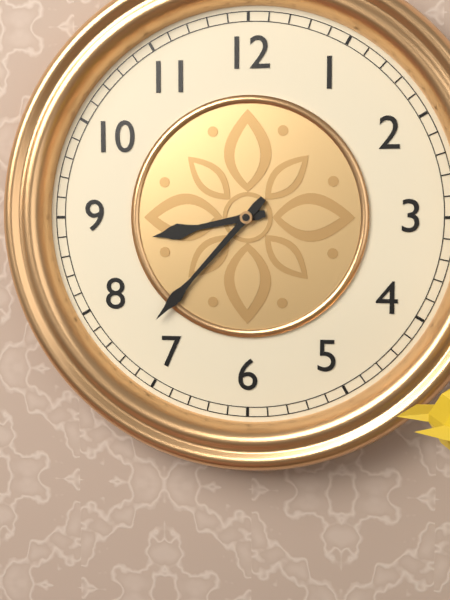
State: 8:37
